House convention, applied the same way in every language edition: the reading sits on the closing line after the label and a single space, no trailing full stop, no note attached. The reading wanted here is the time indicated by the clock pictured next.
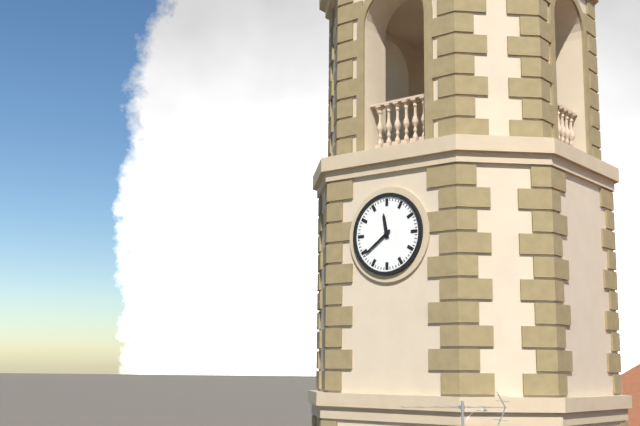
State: 11:39
